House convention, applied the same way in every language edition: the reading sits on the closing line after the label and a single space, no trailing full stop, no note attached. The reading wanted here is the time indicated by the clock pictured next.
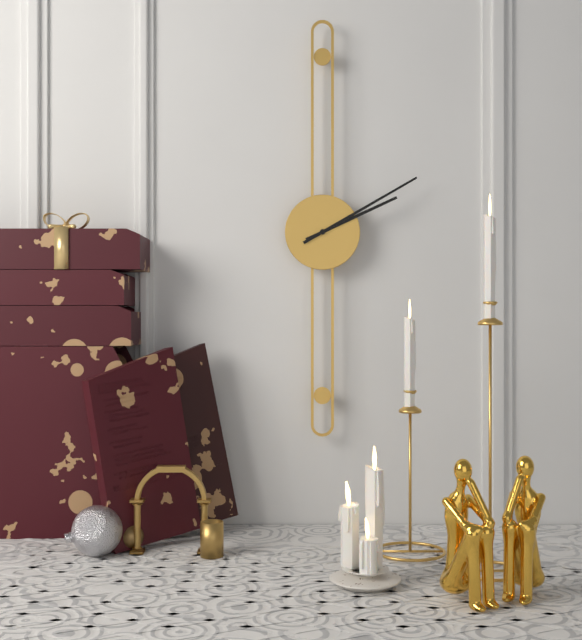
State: 2:10
